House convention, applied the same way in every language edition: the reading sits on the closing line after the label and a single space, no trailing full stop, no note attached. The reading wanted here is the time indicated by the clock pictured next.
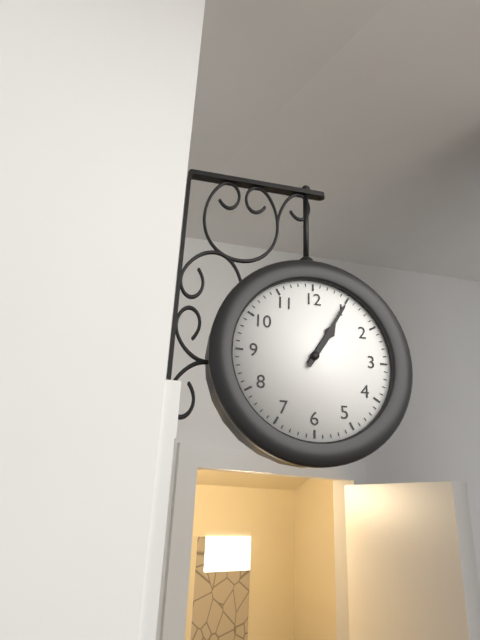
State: 1:05
